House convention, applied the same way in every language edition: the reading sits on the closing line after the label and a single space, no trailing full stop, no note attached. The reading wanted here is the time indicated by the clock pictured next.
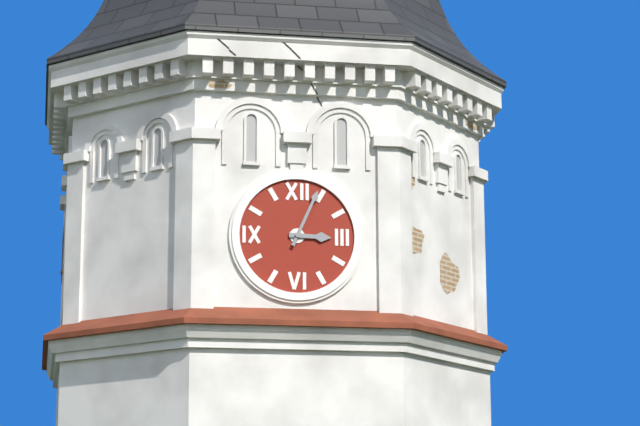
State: 3:04
